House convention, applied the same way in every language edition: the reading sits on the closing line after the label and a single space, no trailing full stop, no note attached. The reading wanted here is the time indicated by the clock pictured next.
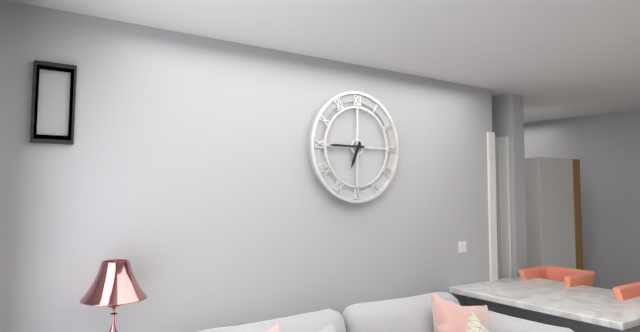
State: 6:45
